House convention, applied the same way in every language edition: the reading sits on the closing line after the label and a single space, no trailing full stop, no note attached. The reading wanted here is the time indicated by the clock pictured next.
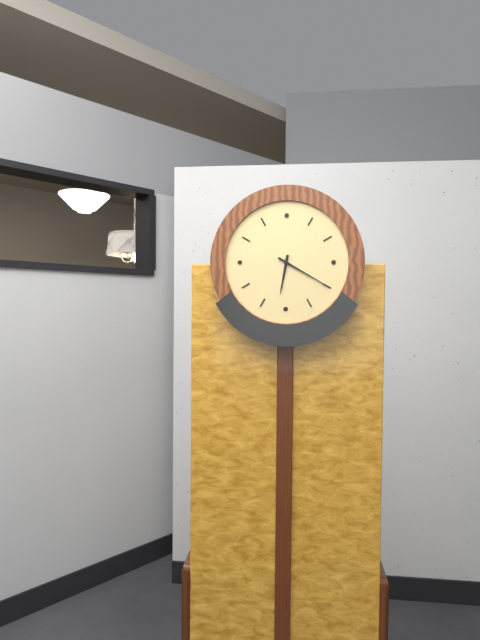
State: 6:20
